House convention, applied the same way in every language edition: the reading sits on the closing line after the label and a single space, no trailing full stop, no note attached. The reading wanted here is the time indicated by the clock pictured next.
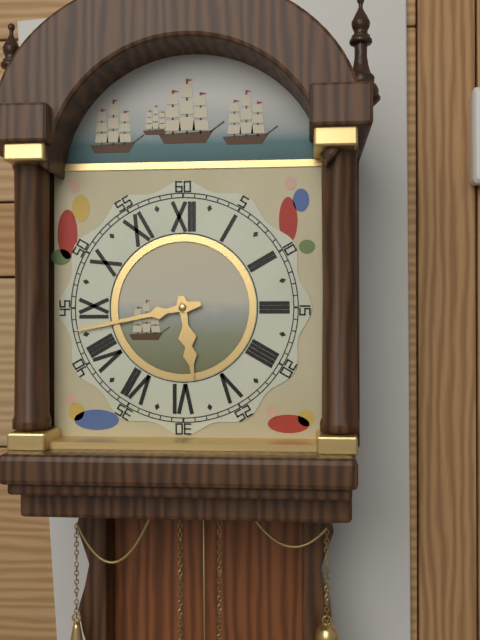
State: 5:43
